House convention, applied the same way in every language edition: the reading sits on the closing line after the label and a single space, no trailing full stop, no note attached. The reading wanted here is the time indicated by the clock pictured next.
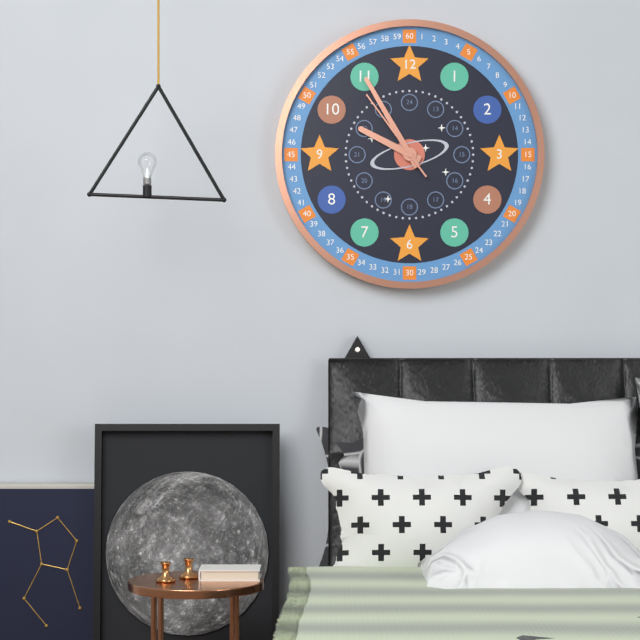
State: 9:55:54
